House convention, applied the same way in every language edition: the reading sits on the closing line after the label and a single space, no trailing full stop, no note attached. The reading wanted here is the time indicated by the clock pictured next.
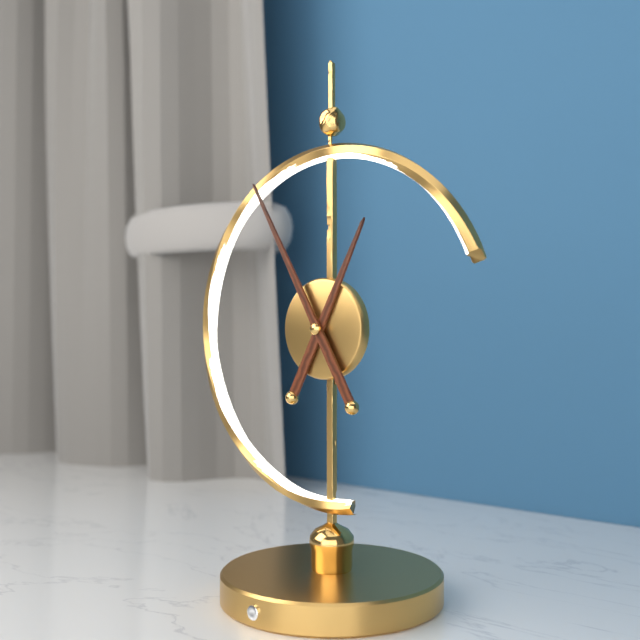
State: 12:55
